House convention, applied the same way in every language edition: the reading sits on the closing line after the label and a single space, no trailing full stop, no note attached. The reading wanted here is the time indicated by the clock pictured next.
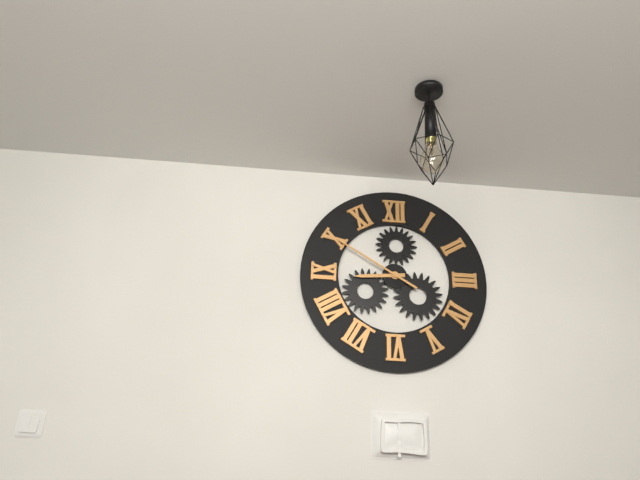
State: 8:50
